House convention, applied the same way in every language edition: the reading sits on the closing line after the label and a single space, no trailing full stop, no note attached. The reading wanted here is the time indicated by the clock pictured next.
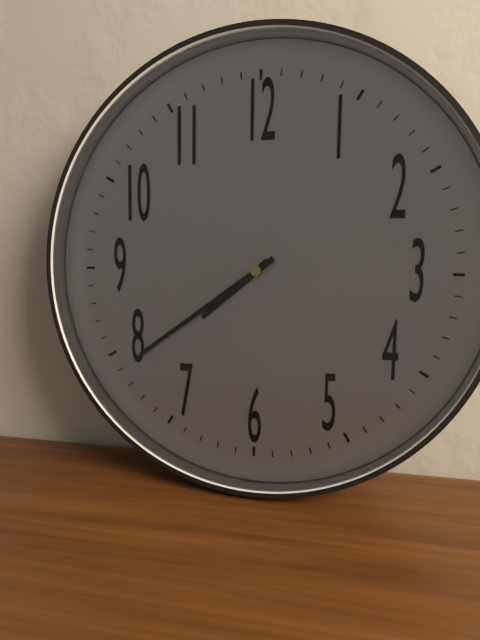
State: 7:39
